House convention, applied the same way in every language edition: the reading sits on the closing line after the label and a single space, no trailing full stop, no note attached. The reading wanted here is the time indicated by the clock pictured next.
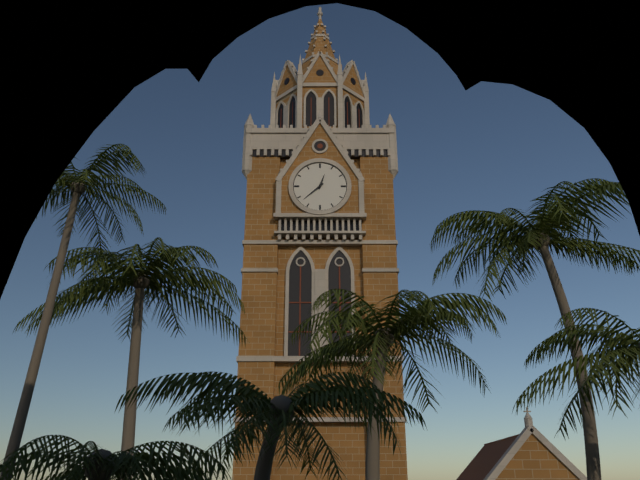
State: 12:38
